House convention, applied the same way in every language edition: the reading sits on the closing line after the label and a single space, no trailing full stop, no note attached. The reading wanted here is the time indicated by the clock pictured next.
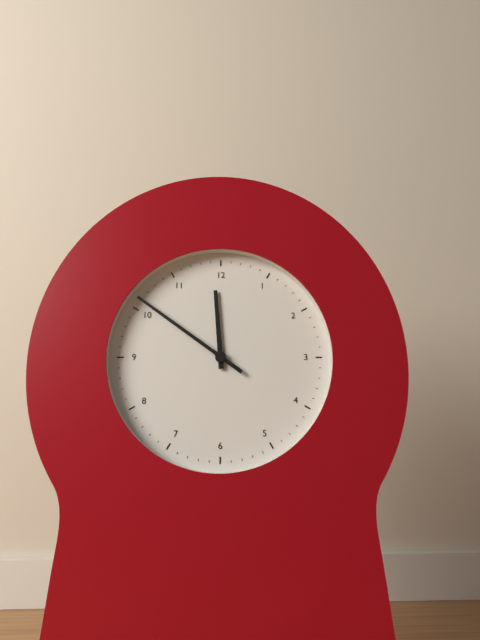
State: 11:51
